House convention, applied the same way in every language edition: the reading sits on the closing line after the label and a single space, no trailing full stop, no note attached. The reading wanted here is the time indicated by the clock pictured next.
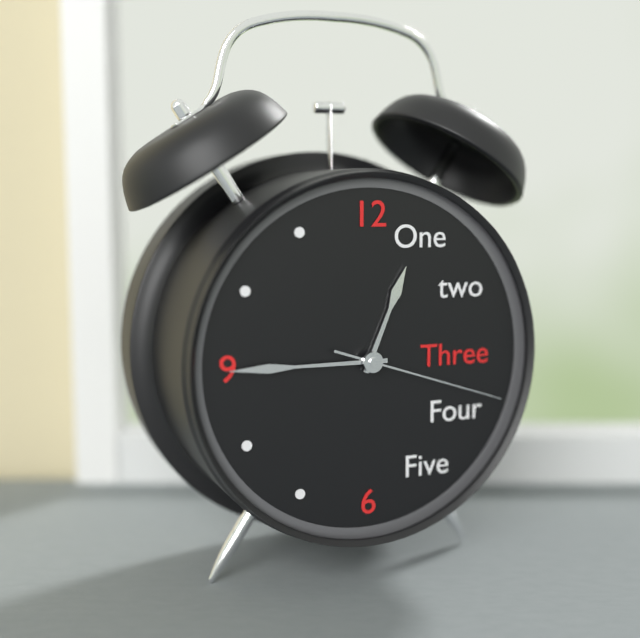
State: 12:45:18
